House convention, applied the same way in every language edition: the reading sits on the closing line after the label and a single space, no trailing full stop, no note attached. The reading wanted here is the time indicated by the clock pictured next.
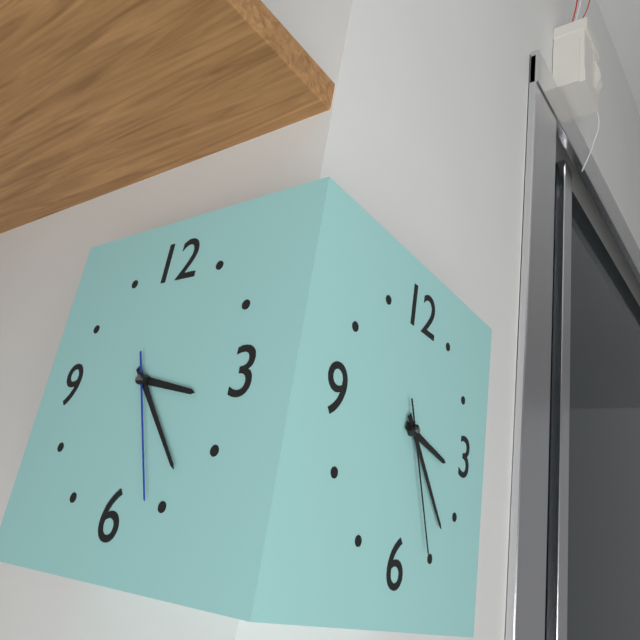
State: 3:23:26
